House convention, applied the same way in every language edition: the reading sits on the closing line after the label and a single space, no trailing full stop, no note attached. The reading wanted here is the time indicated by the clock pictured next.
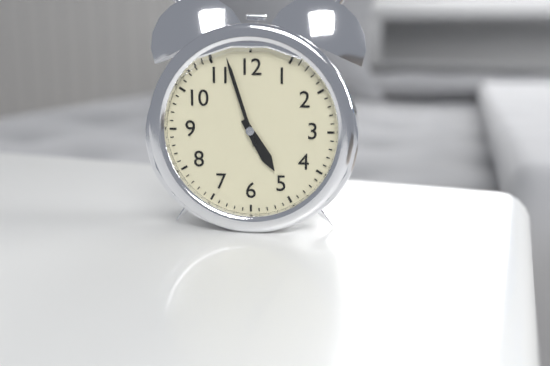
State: 4:57
